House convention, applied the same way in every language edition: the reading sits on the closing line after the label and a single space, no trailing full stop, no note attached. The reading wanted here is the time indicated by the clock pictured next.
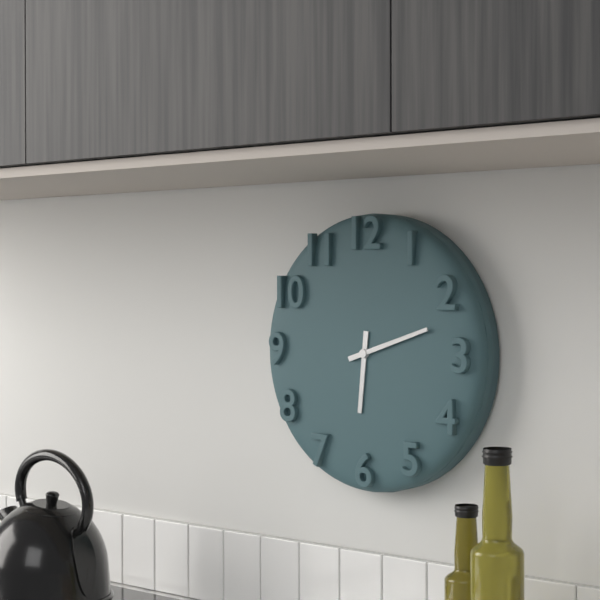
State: 6:12
